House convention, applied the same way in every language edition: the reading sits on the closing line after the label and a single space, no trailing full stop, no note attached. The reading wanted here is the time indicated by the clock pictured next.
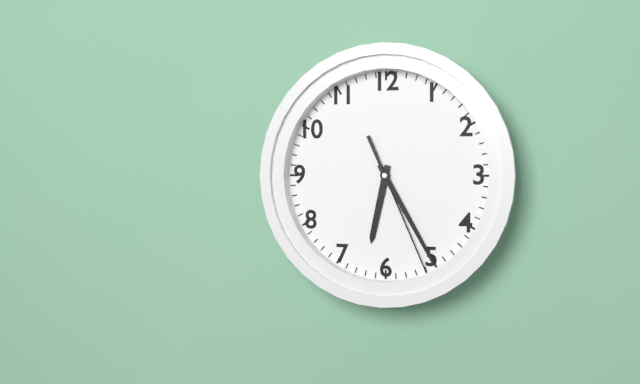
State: 6:25:26
